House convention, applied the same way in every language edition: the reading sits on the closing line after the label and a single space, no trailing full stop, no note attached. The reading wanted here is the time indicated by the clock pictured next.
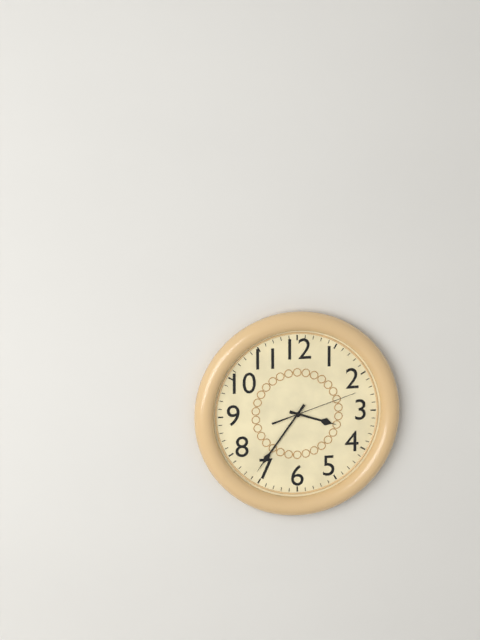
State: 3:36:12
